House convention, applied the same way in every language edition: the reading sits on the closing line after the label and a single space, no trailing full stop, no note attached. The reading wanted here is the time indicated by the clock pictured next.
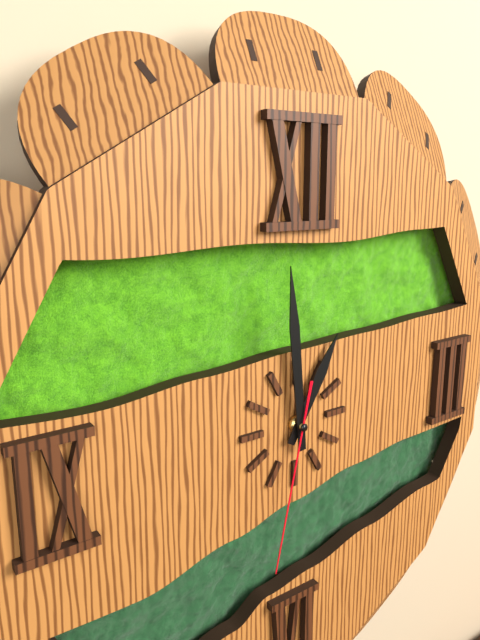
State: 12:59:32
